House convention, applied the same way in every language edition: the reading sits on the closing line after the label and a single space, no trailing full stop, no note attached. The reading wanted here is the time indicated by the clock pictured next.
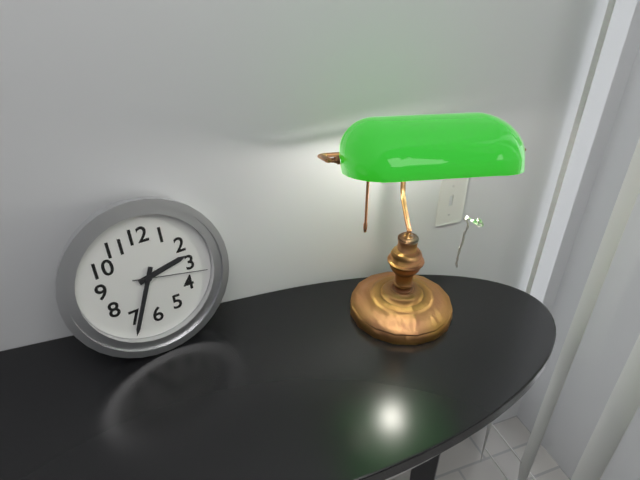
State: 2:34:17
